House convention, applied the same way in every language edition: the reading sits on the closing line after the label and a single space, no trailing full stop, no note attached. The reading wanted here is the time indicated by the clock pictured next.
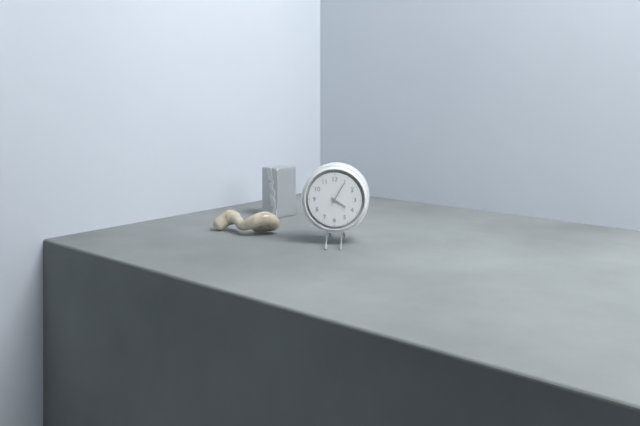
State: 4:05
